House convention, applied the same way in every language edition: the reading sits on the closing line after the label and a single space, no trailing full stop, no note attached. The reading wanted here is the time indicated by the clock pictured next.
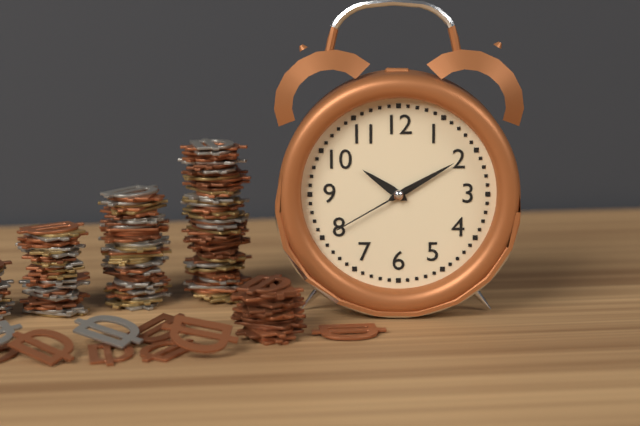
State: 10:10:40
